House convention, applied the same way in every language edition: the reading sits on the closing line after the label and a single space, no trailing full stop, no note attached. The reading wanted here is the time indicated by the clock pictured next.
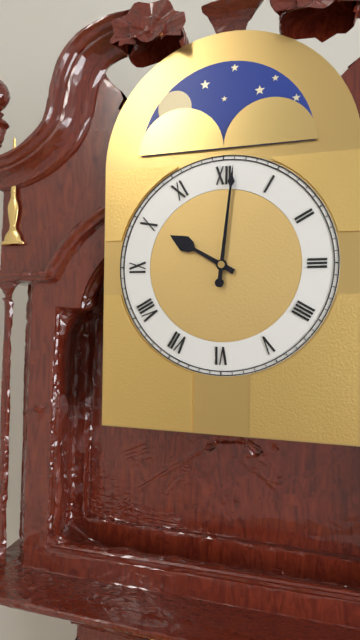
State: 10:01
